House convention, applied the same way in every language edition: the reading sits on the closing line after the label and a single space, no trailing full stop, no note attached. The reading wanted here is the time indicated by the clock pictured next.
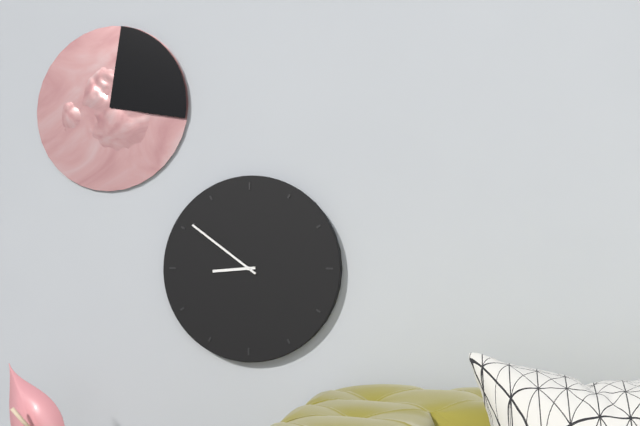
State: 8:51
